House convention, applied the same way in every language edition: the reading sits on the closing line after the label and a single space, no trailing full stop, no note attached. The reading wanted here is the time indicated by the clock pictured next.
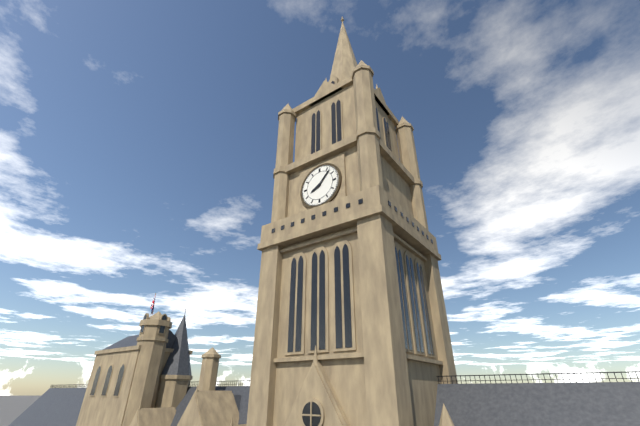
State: 8:07
